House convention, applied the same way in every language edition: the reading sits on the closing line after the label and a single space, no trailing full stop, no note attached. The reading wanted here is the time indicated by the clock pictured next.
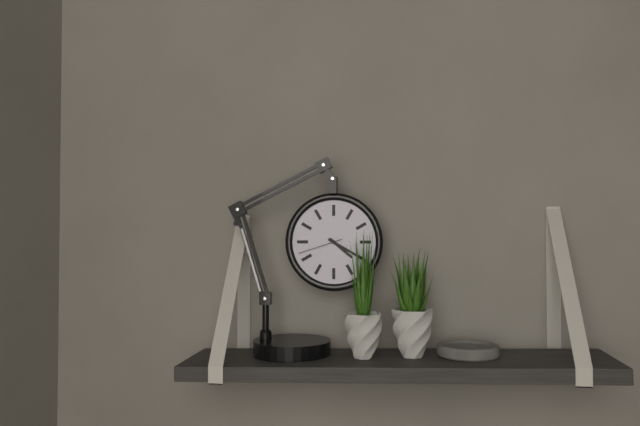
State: 4:20
